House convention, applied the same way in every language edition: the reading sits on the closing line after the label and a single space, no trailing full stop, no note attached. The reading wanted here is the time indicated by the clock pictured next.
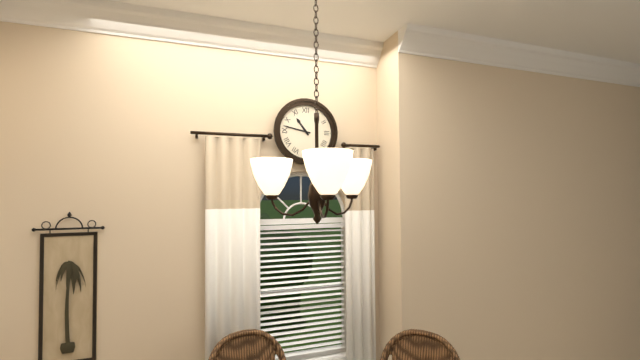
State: 10:47
